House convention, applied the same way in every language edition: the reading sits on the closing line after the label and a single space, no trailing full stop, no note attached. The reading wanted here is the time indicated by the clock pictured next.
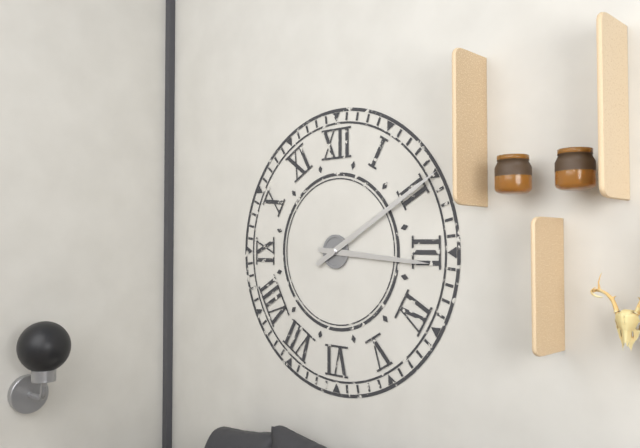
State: 3:10
